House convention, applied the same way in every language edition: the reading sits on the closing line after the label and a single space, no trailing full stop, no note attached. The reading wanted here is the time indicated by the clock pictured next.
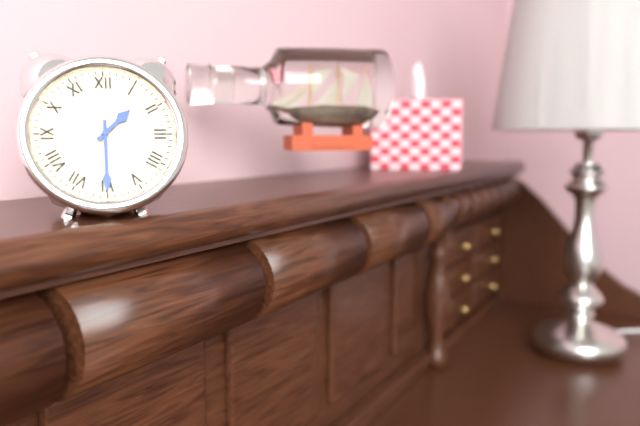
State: 1:30
